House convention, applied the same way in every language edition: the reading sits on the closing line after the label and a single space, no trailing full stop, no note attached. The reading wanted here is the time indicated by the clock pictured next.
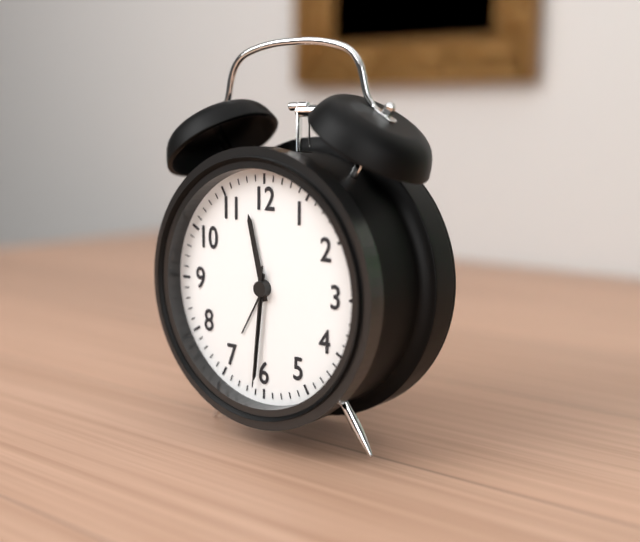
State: 11:31:31
